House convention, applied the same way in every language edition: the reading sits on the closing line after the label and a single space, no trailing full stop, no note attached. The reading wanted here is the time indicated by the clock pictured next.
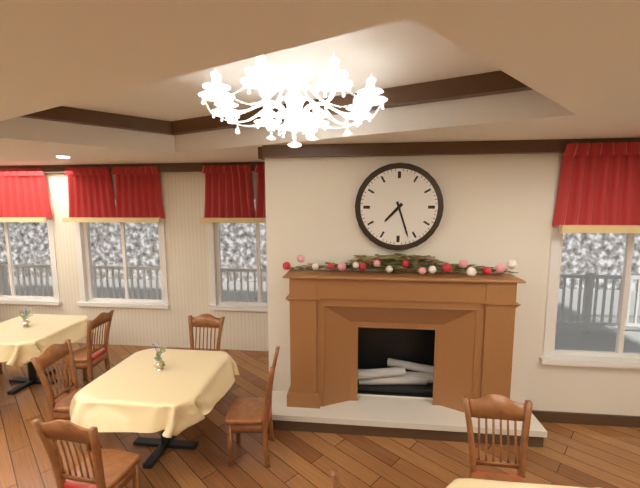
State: 7:27
